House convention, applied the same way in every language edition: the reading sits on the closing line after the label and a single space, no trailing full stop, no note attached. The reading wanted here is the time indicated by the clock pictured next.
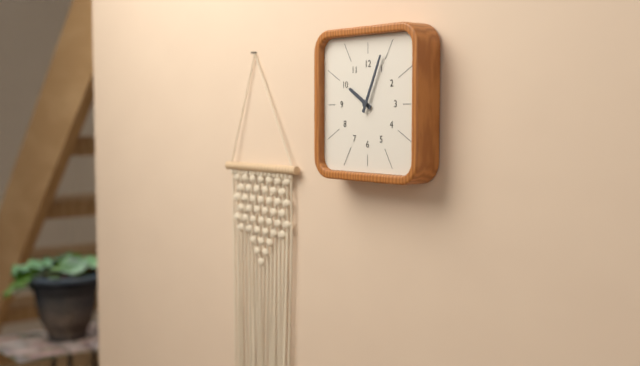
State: 10:04
